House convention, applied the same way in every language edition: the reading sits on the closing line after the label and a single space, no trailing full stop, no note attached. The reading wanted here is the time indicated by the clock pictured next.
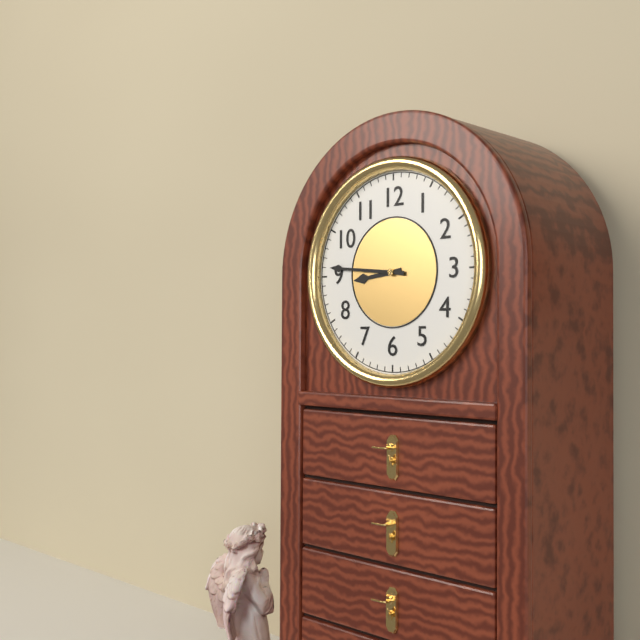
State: 8:46
